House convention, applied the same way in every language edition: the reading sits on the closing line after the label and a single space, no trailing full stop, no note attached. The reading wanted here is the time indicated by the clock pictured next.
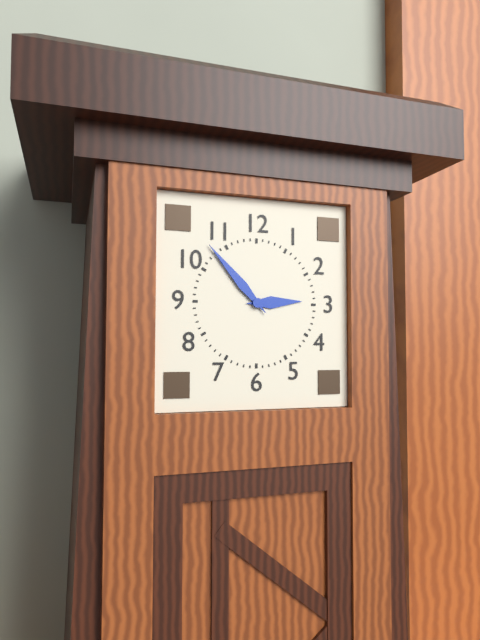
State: 2:53
